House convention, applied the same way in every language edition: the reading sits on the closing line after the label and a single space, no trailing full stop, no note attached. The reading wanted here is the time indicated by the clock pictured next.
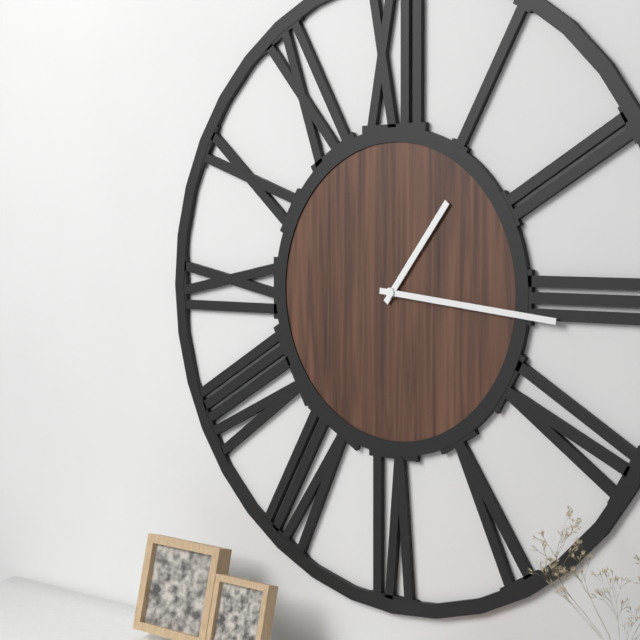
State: 1:16
